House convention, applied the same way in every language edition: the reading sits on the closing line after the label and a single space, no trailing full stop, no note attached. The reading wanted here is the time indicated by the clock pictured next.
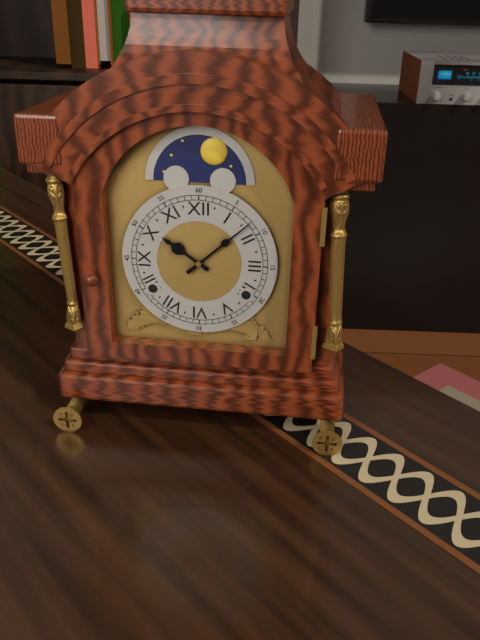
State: 10:08
